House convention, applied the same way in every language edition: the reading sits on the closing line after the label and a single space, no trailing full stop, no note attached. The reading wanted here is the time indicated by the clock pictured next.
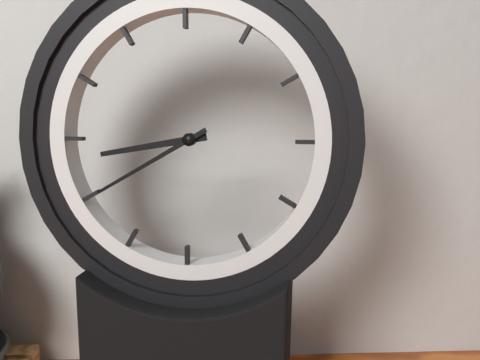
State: 8:40
